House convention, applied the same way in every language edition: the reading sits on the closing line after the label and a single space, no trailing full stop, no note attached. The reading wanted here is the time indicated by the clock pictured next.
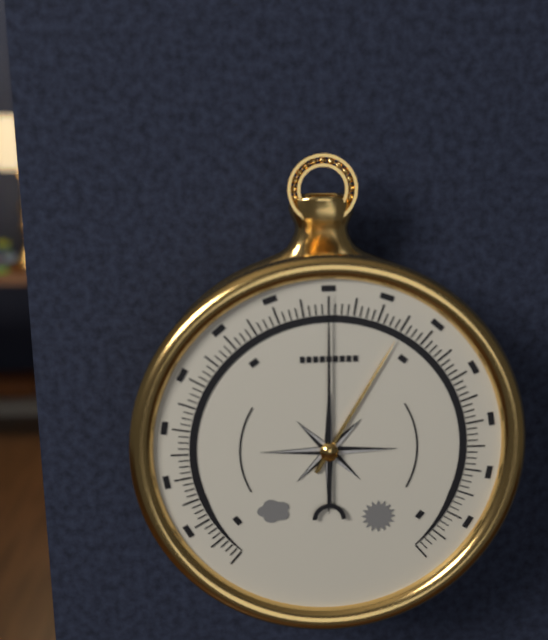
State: 1:00
